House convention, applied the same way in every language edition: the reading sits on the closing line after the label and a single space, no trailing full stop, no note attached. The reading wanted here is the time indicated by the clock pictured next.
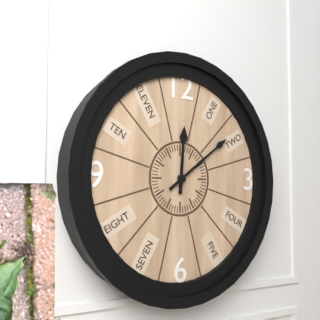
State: 12:09
